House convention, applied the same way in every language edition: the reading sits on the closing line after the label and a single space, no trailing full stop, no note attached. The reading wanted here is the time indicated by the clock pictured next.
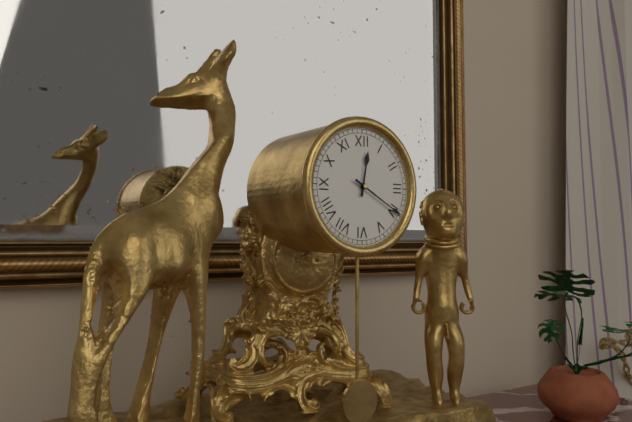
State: 12:20
